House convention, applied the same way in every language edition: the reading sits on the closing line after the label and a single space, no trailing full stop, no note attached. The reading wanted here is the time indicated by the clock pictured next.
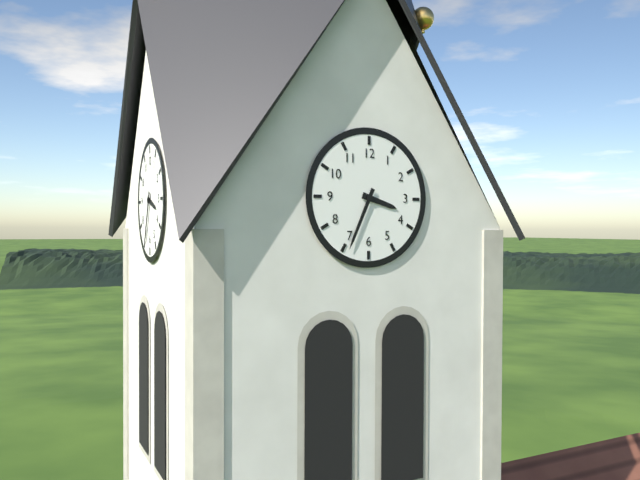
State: 3:34
